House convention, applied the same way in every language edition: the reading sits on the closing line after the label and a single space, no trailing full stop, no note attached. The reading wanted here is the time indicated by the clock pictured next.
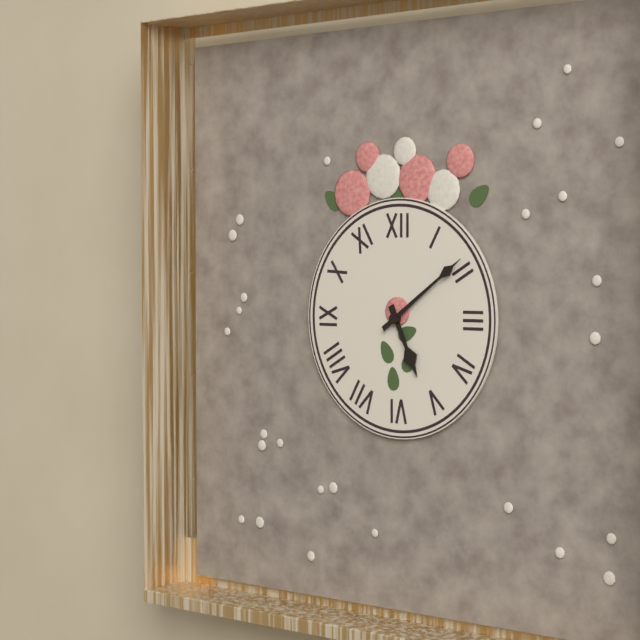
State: 5:09
